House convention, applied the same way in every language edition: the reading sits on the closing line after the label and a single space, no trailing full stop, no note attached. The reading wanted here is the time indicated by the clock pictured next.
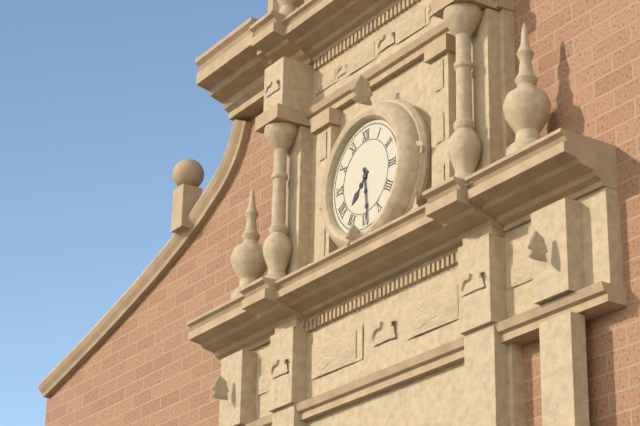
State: 7:29
